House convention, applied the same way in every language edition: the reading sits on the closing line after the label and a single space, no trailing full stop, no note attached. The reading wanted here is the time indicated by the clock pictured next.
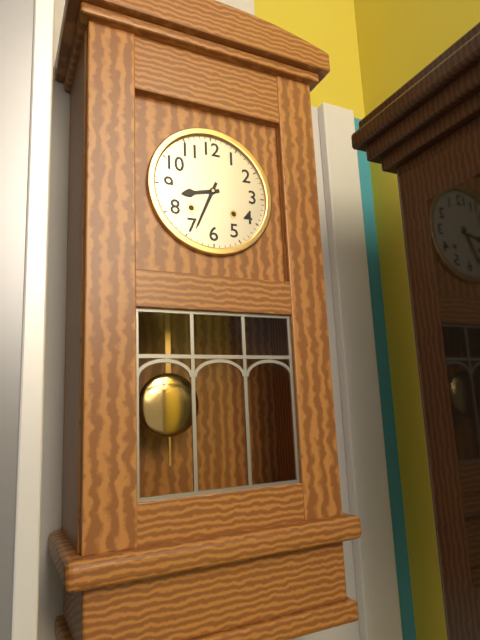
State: 8:34
